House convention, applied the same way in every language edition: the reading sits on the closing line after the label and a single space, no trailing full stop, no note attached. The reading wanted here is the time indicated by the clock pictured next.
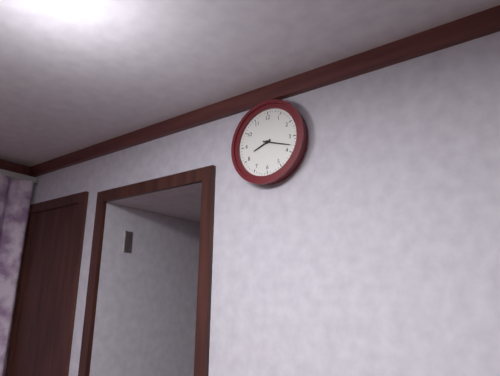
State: 8:18
